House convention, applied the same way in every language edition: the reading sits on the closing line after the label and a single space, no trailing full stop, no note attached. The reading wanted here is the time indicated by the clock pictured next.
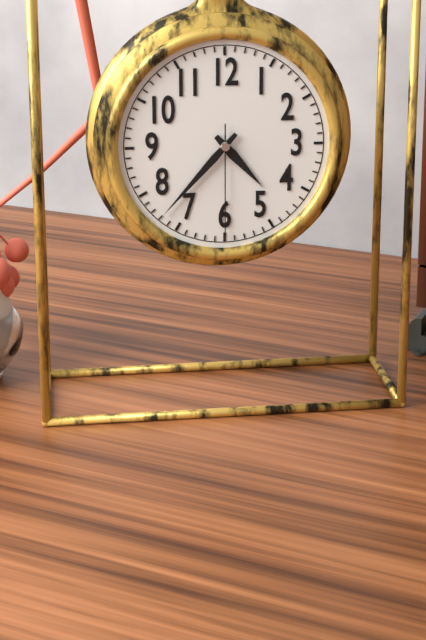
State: 4:37:30
